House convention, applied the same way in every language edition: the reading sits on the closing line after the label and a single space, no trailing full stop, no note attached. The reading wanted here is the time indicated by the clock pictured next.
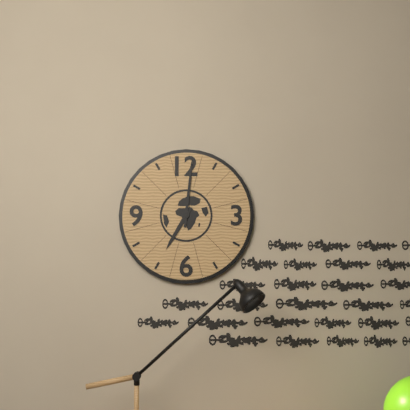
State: 7:01
